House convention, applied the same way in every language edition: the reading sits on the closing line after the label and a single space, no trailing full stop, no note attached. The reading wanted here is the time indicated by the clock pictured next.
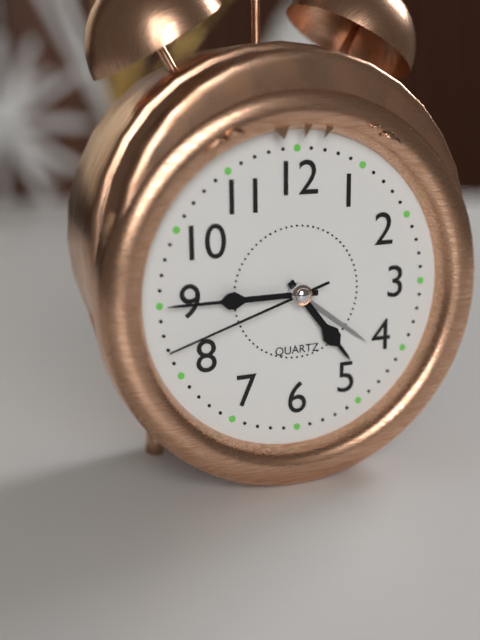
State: 4:45:42
